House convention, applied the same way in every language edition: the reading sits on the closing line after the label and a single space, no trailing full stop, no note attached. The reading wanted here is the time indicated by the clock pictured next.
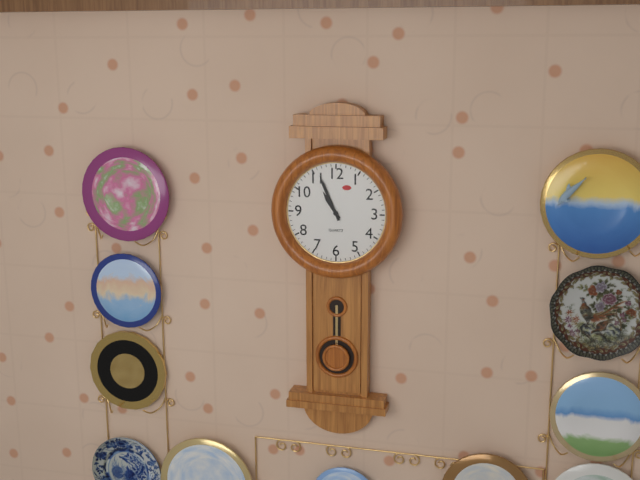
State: 10:56
